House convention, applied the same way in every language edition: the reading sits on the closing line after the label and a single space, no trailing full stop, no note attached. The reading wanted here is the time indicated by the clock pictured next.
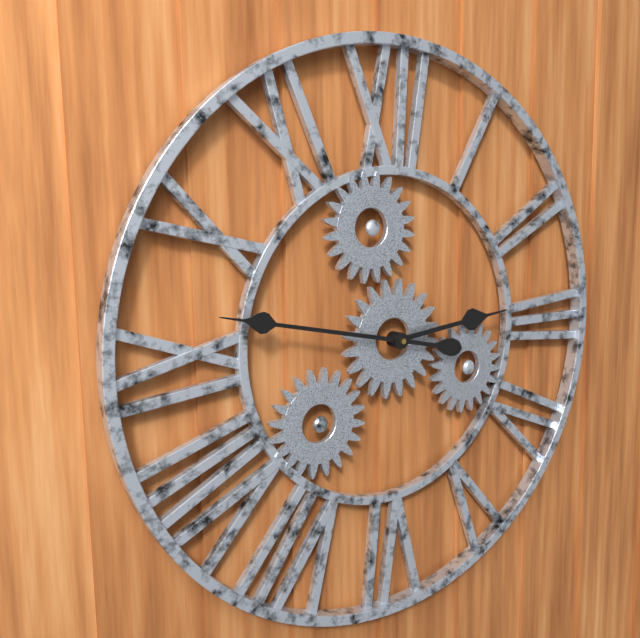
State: 2:47
